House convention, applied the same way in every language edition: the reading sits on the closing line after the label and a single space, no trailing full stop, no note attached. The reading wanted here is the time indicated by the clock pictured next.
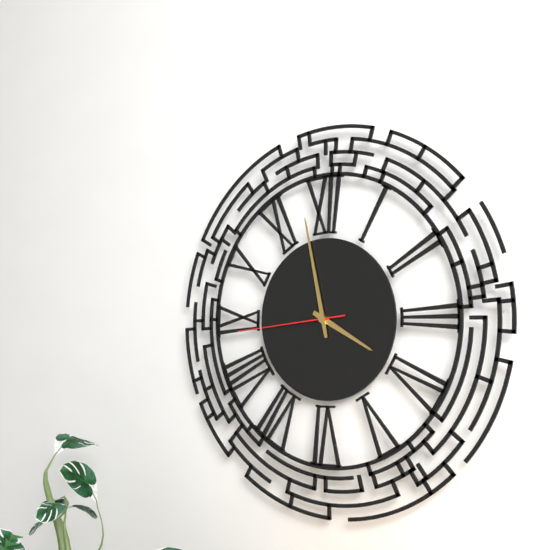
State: 3:58:44
